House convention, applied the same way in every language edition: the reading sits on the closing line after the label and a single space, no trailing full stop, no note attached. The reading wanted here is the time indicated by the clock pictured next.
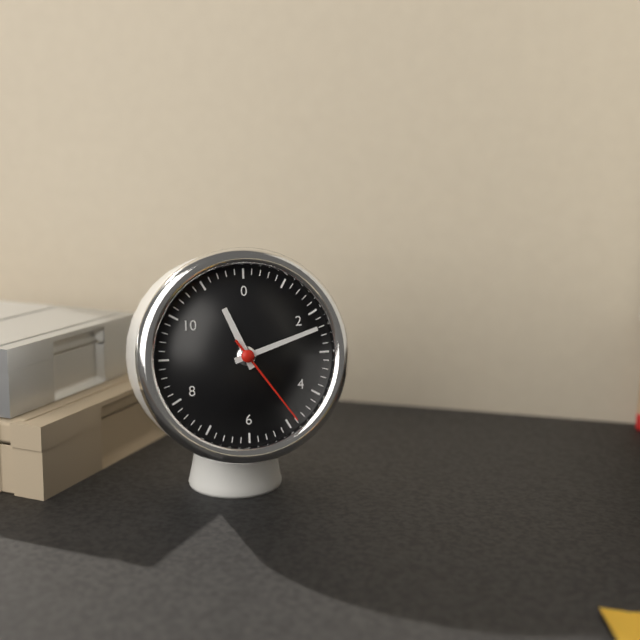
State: 11:12:24
